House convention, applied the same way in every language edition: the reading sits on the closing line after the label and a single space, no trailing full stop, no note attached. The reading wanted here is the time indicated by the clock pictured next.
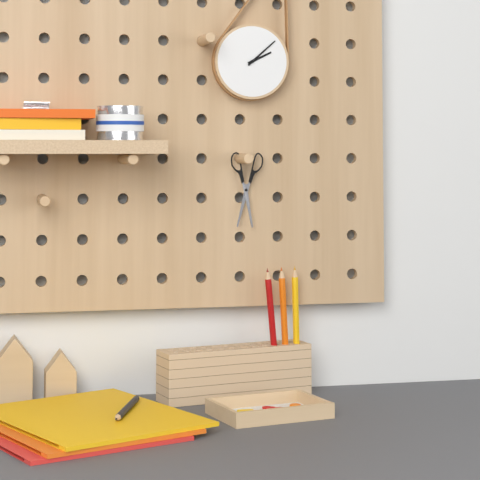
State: 2:08
